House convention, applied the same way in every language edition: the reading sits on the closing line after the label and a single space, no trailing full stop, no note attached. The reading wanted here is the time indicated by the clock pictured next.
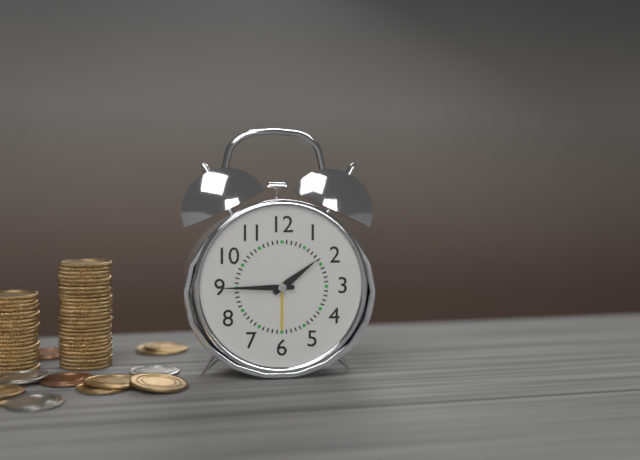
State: 1:45
